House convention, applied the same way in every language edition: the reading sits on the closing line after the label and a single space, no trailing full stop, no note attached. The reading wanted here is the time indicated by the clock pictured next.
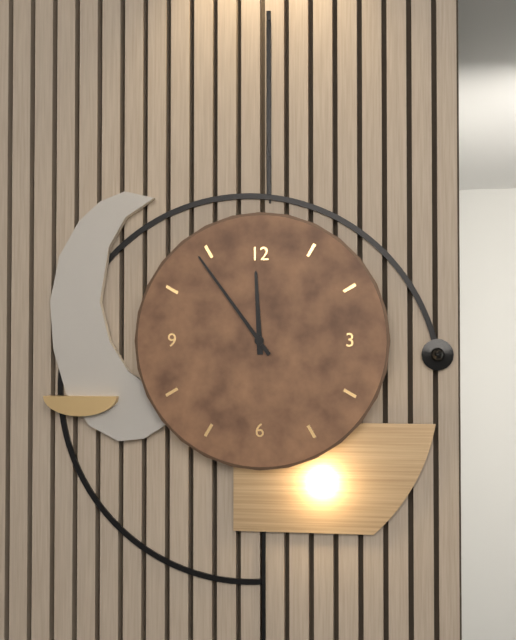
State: 11:54
